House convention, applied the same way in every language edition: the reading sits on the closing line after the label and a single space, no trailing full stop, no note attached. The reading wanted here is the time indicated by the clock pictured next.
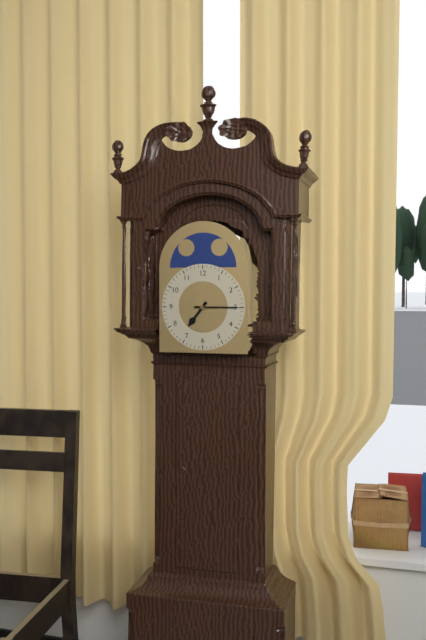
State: 7:15
